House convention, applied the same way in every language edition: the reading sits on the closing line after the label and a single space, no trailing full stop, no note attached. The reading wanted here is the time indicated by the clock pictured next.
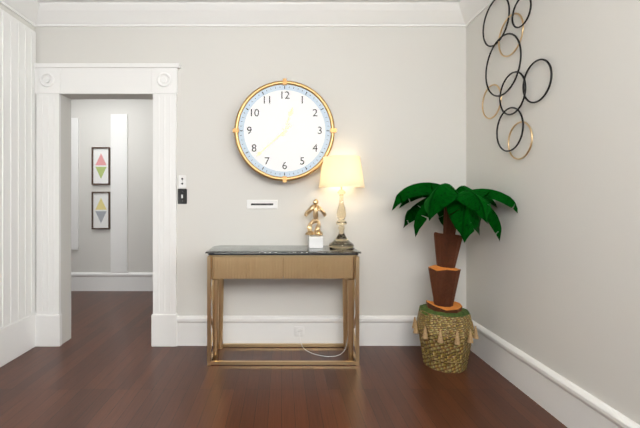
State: 12:38
